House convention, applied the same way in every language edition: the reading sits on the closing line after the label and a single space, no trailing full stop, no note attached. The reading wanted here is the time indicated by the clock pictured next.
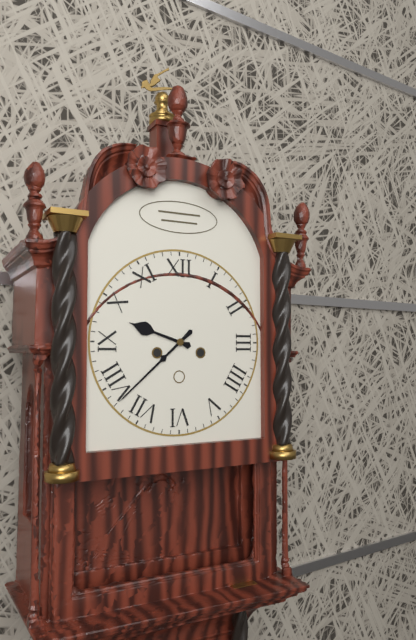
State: 9:38
